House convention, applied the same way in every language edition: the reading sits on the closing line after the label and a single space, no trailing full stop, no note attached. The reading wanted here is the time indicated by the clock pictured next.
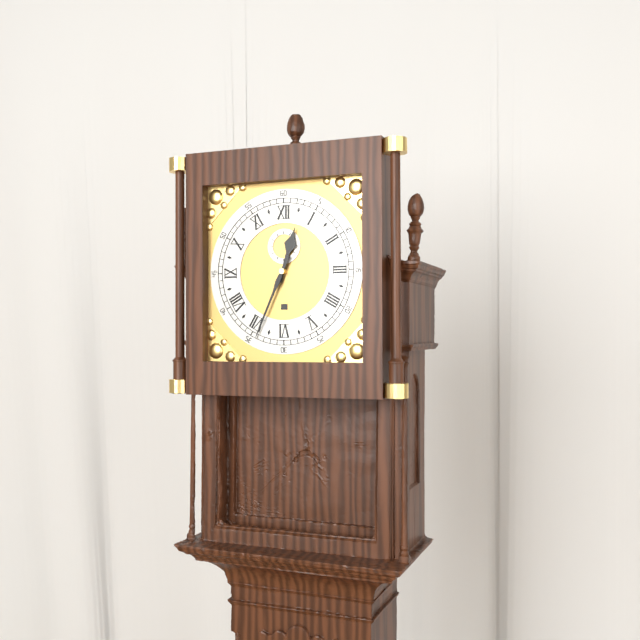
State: 12:34
